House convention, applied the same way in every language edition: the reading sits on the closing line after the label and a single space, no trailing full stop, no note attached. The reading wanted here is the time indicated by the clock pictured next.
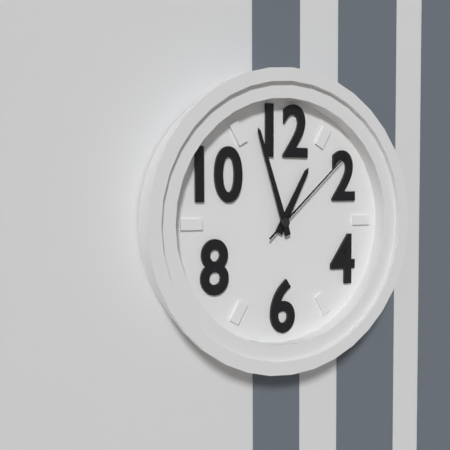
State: 12:57:08
